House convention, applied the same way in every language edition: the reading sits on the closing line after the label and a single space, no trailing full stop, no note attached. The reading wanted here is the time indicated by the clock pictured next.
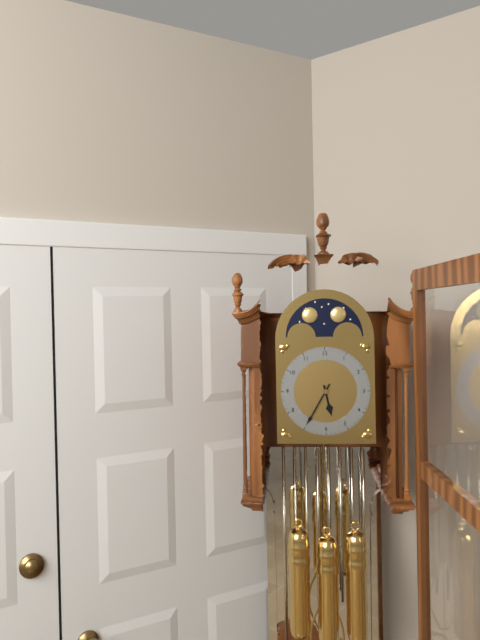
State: 5:35
